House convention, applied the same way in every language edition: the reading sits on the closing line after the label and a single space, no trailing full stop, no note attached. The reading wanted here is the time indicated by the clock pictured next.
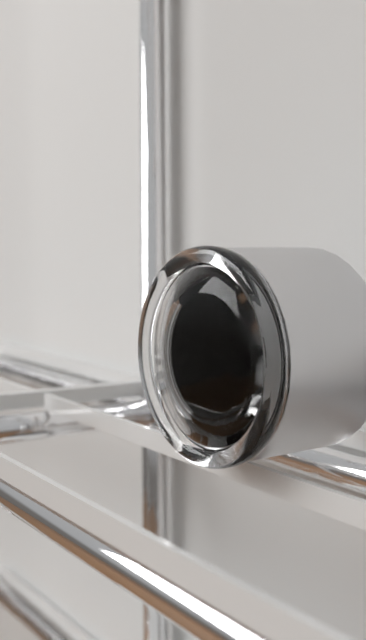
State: 9:20:57
